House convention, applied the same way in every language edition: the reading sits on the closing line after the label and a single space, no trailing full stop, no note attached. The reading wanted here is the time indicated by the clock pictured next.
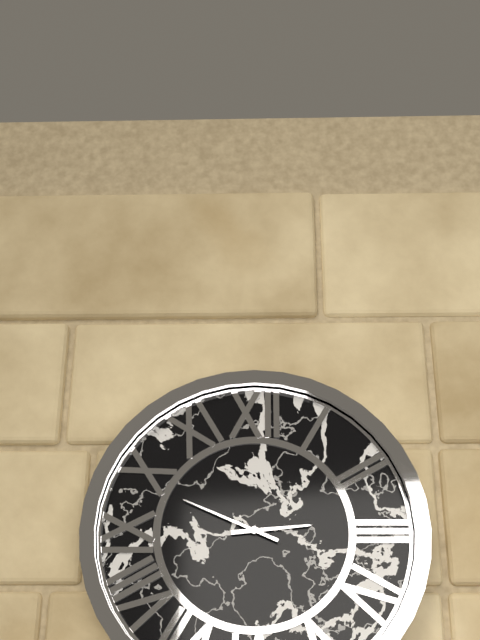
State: 2:49
